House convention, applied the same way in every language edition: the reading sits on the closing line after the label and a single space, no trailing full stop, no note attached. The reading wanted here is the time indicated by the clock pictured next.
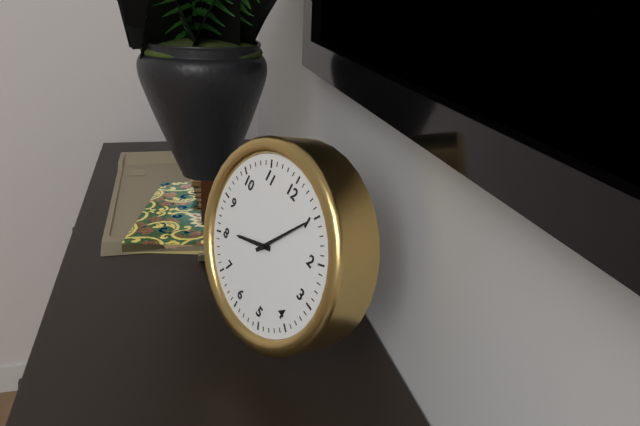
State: 8:05
